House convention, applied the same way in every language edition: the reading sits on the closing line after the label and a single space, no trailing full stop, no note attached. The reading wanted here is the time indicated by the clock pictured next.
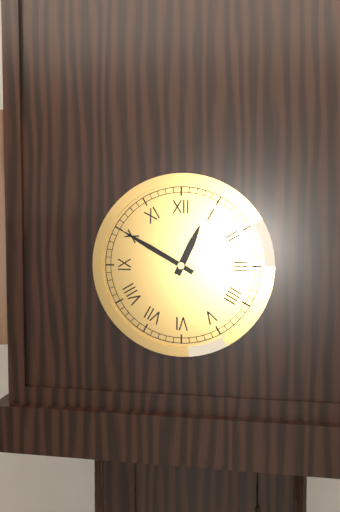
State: 12:50
